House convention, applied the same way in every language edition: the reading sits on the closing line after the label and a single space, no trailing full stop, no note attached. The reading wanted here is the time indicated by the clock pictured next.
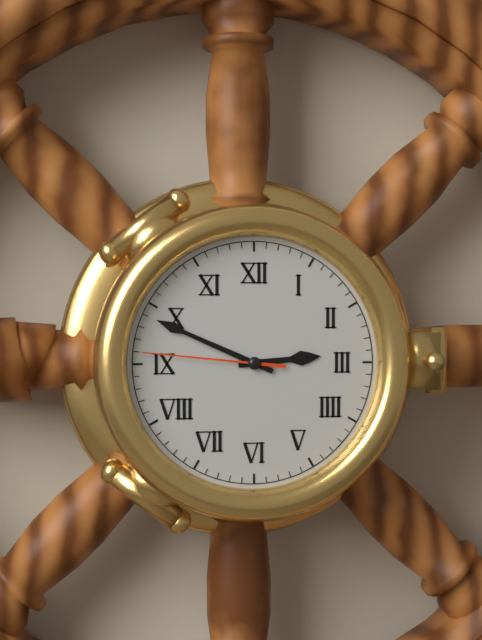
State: 2:49:46
